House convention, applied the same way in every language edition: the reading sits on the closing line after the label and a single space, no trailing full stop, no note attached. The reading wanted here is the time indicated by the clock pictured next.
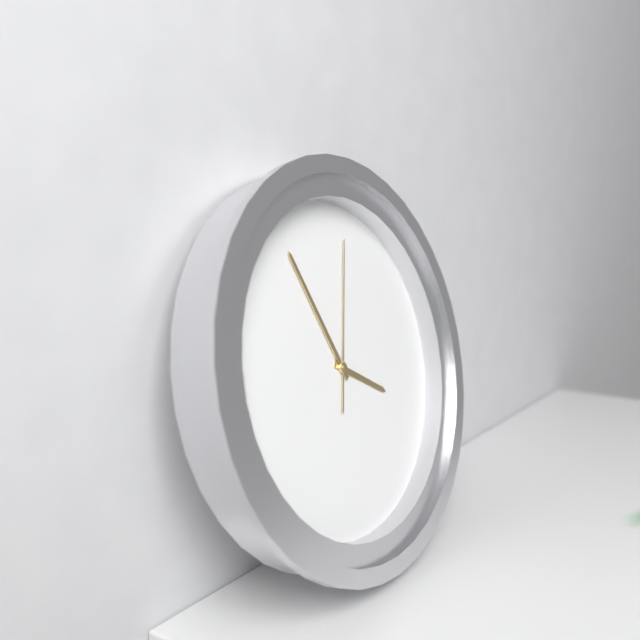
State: 3:56:03
